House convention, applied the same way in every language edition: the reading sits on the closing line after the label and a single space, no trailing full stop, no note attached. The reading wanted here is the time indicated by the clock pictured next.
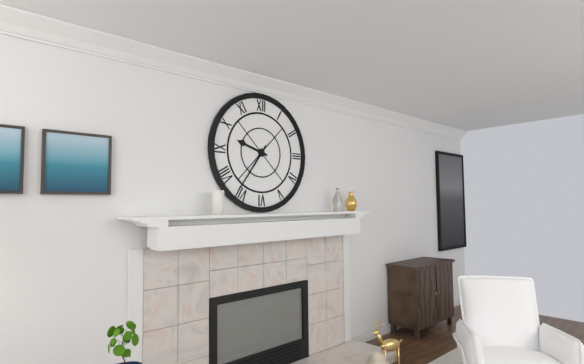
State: 9:36
